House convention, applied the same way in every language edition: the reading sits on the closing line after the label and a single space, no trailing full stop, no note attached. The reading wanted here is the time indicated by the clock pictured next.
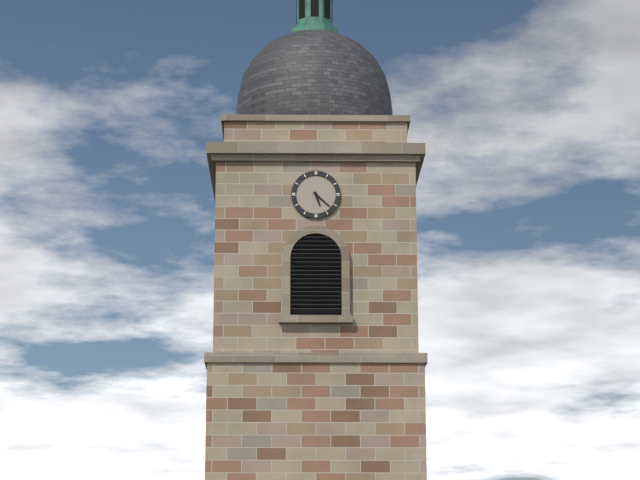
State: 5:22
